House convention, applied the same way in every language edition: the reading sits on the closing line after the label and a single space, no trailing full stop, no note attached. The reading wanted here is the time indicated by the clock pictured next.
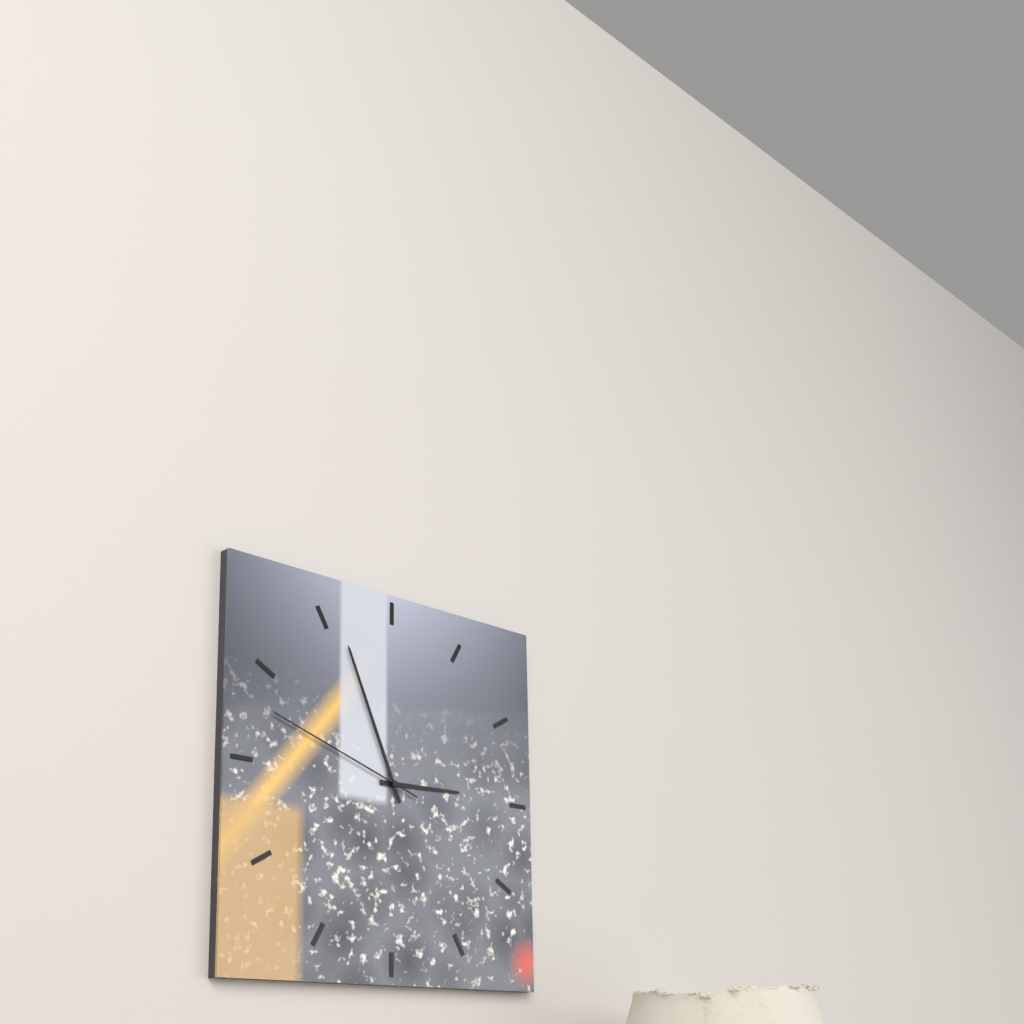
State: 2:56:48
